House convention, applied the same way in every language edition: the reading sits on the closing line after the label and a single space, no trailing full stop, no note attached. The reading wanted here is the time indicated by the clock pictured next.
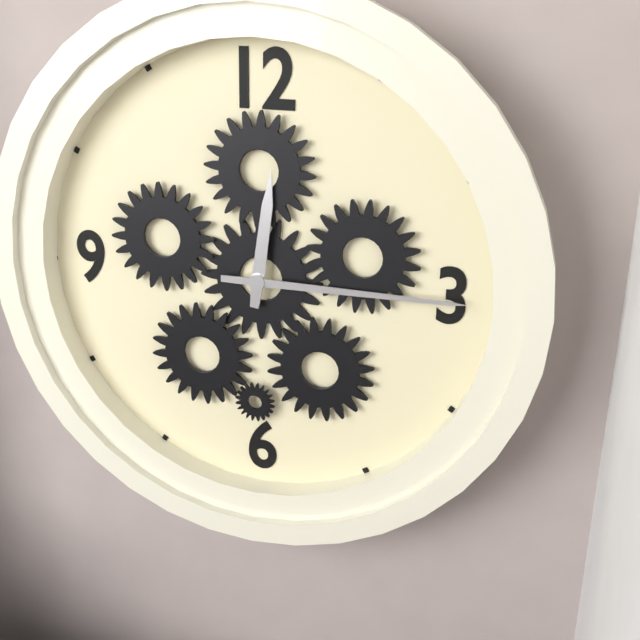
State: 12:15
